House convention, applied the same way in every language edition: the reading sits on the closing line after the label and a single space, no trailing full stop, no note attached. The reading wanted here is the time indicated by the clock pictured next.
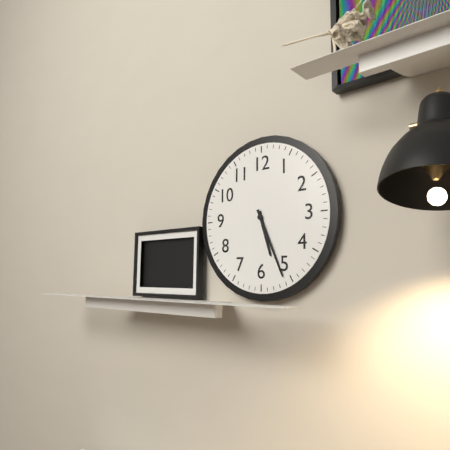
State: 5:26
